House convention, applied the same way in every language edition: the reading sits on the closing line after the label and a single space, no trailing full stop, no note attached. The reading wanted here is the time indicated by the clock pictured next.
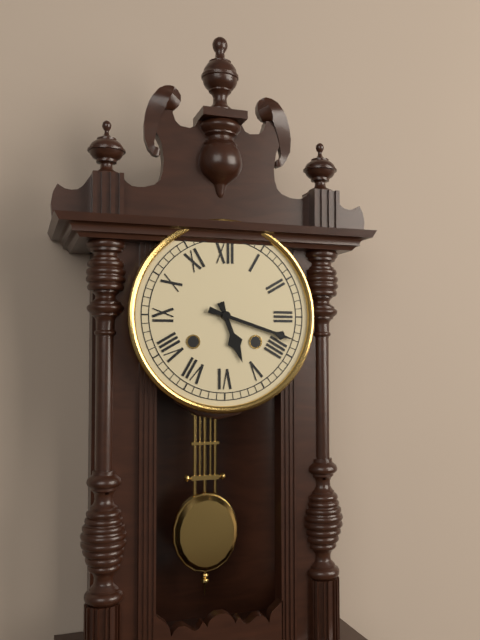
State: 5:18
